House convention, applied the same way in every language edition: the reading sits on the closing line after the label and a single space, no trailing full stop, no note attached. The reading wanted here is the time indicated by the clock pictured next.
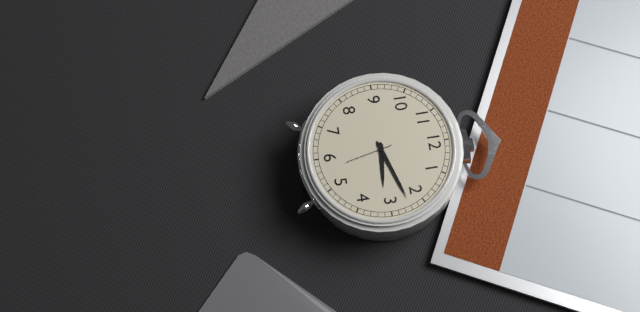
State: 3:12
